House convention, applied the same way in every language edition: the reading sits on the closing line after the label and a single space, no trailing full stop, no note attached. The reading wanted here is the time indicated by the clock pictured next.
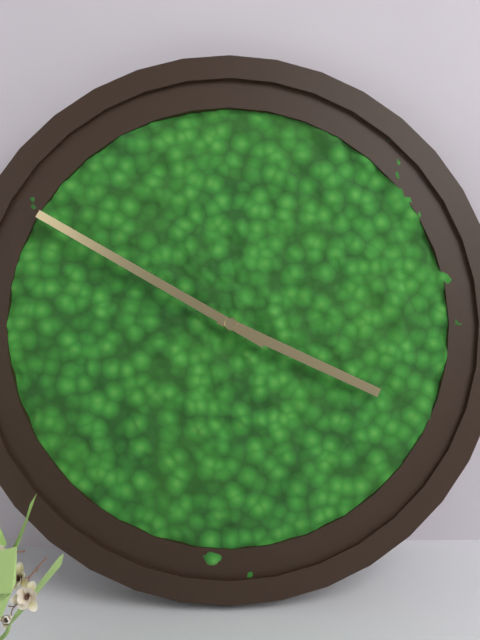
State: 3:50
